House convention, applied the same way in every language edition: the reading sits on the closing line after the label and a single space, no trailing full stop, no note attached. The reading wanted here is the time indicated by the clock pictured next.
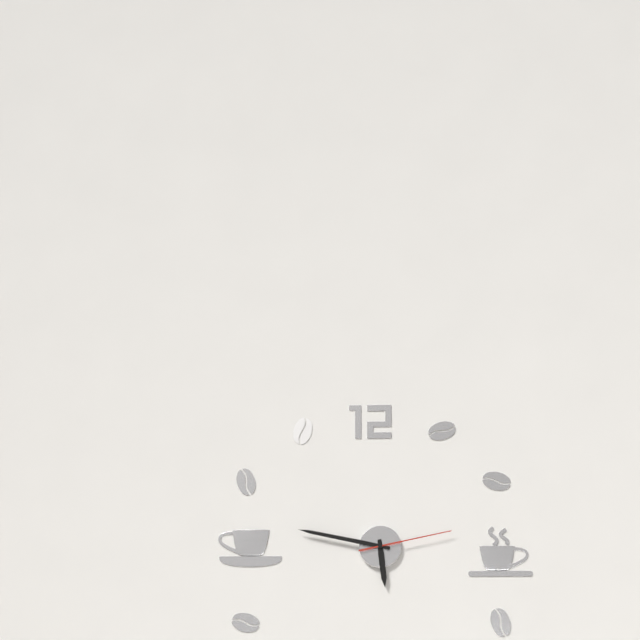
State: 5:47:13
